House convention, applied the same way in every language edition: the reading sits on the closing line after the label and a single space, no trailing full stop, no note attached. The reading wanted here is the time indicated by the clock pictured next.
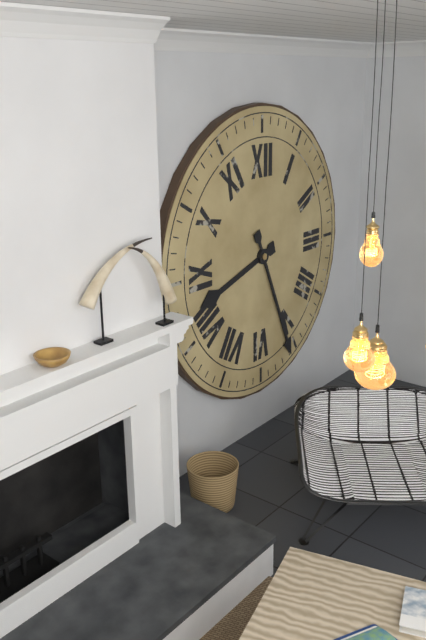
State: 8:26
